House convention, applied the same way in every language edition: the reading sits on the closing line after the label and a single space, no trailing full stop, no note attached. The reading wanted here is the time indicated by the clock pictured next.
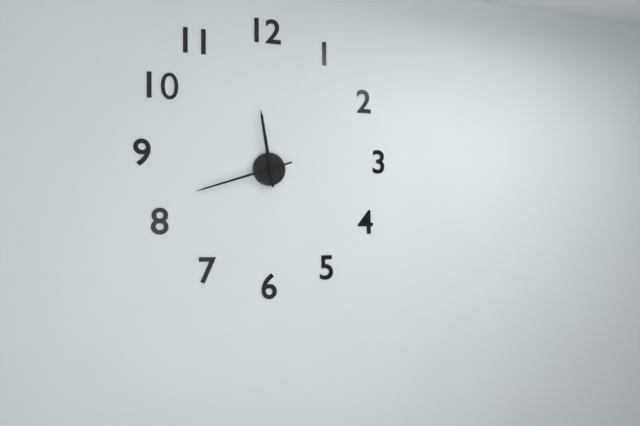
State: 11:42
